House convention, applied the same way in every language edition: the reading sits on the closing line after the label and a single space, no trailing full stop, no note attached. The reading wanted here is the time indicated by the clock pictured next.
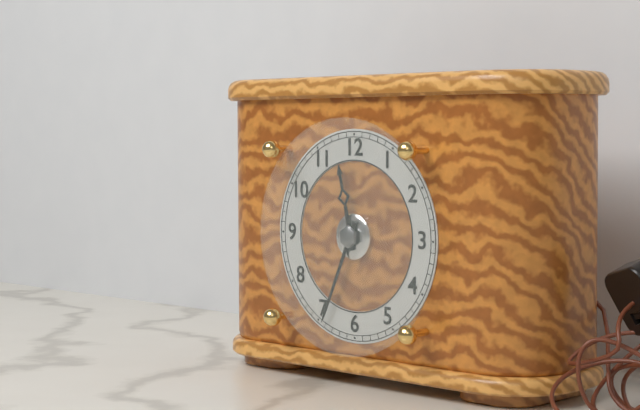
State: 11:34
